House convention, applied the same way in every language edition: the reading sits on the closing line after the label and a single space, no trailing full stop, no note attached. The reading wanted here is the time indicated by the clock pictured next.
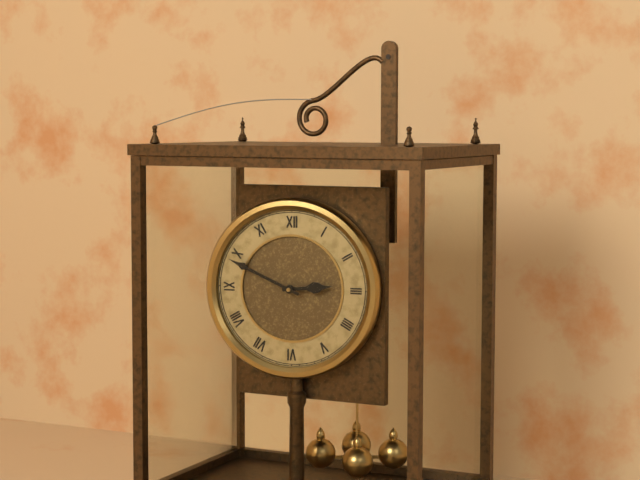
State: 2:49
